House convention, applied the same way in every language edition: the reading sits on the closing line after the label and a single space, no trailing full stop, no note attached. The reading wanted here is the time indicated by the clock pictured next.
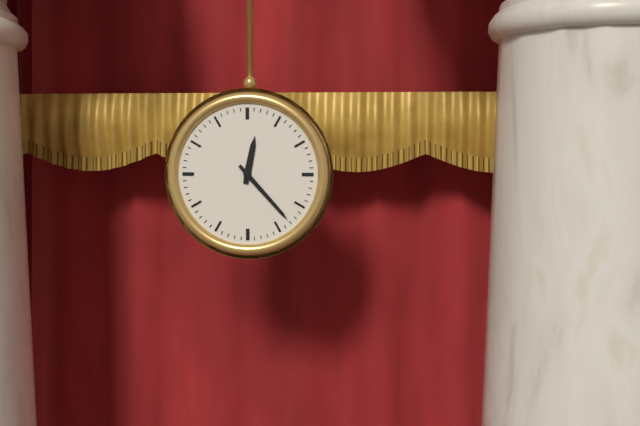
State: 12:23
